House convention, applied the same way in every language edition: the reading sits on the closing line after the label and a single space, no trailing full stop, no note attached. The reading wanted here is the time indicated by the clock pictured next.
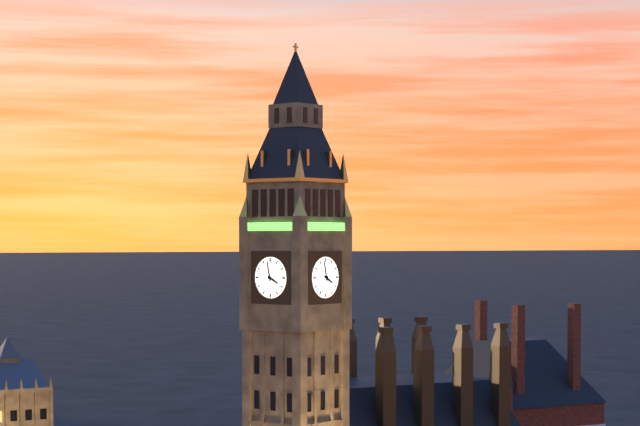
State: 3:58
